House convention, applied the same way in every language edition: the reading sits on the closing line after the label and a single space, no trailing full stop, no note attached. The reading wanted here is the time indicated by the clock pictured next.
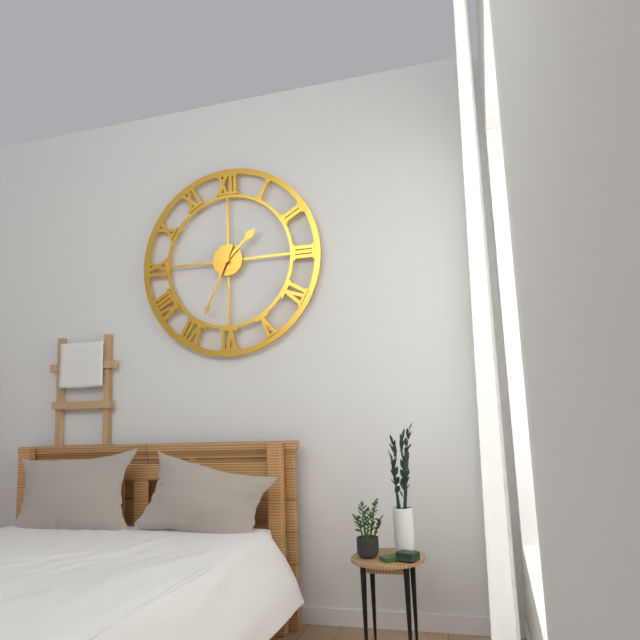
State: 1:34
